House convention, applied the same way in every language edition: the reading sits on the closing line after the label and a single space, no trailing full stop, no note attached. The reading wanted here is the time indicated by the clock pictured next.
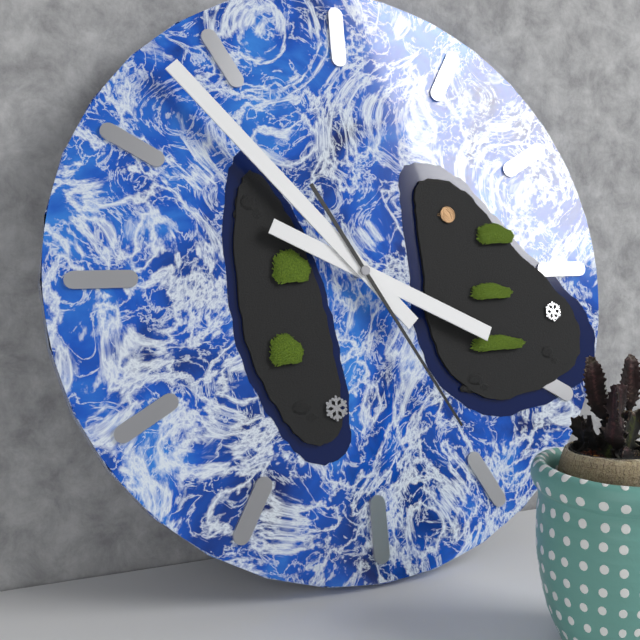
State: 3:53:25
